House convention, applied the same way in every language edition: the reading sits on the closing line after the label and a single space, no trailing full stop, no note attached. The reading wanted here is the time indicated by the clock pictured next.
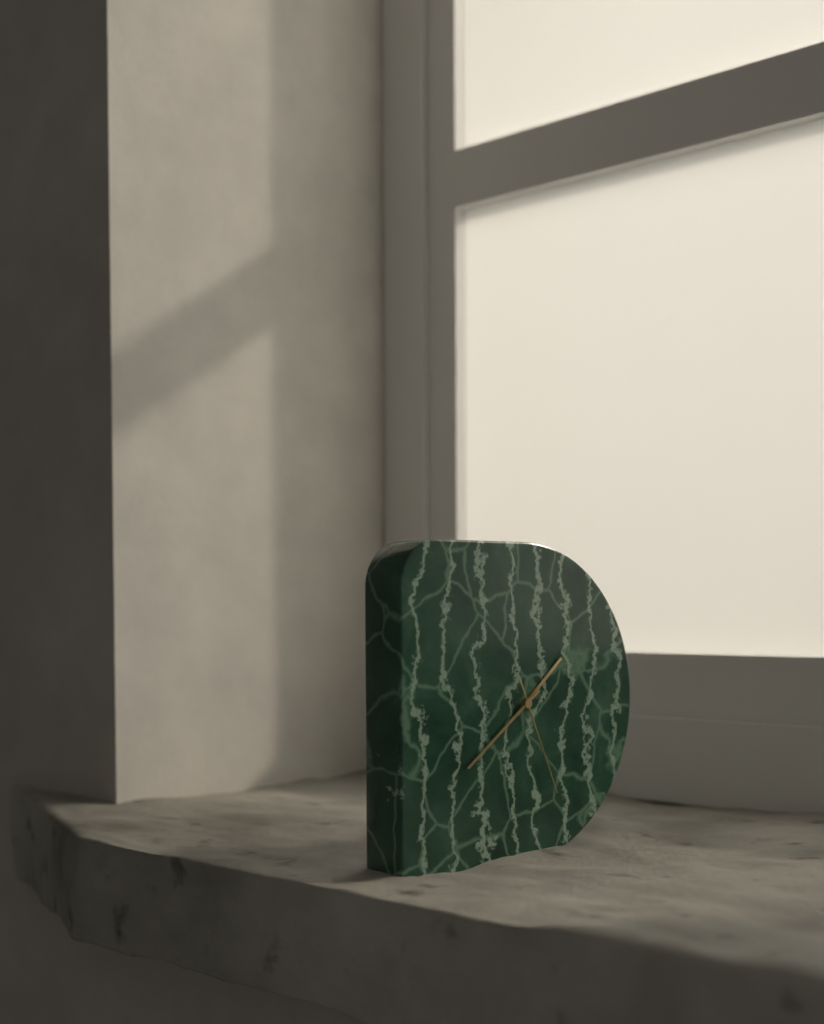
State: 1:39:26
